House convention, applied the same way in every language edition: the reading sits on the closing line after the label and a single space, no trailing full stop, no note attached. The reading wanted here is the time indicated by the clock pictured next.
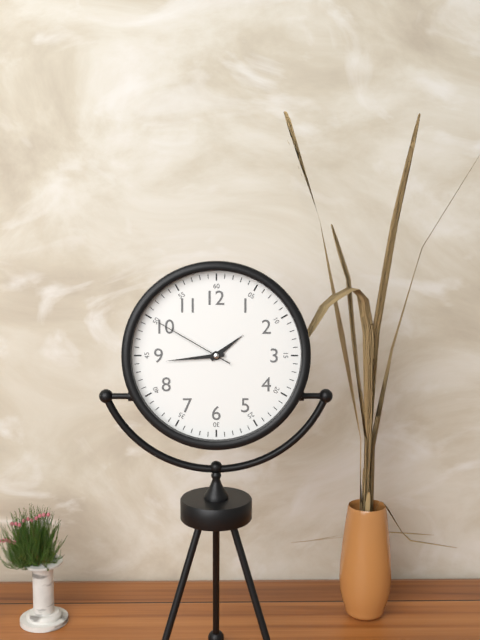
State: 1:44:50
